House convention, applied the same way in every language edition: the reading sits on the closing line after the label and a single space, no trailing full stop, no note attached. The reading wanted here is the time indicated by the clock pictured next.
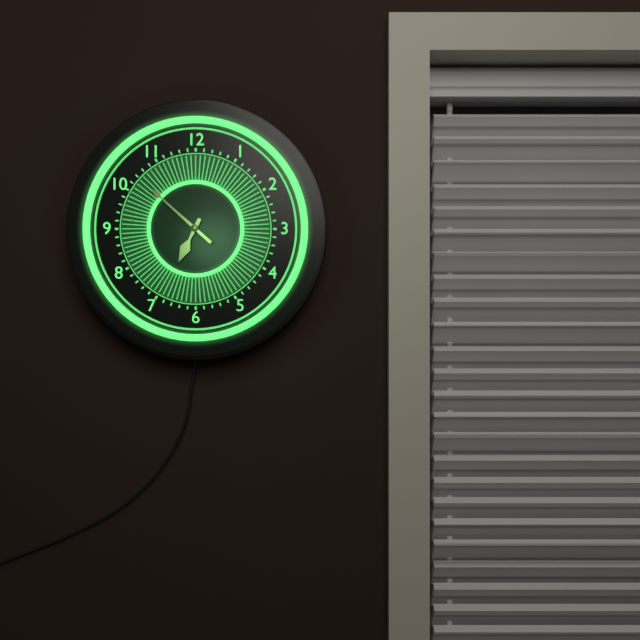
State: 6:52
